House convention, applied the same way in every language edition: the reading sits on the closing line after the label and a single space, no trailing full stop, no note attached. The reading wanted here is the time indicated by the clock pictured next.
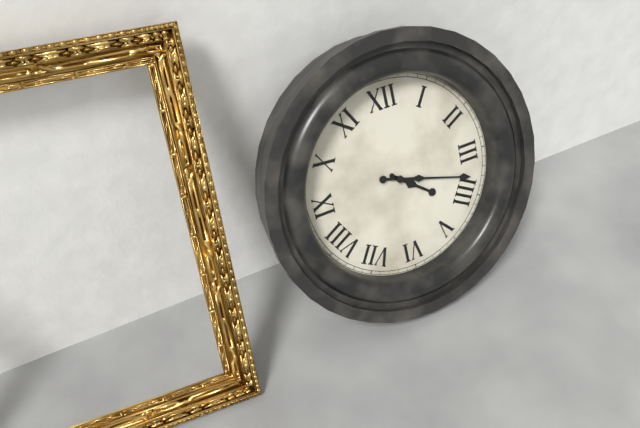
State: 4:18
